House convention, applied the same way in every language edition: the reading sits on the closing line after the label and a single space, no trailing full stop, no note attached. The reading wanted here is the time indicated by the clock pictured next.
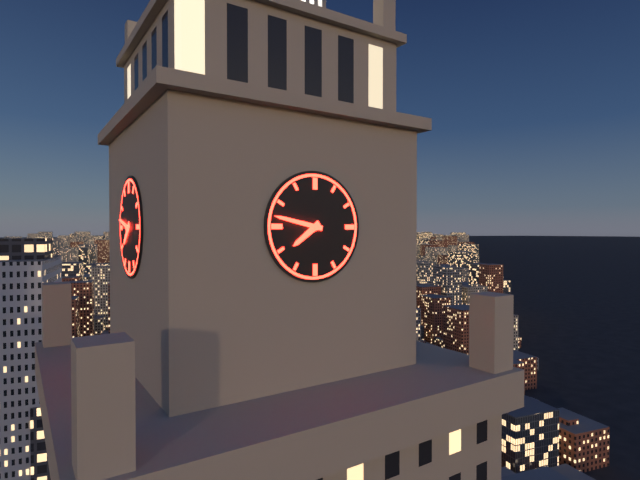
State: 7:47
